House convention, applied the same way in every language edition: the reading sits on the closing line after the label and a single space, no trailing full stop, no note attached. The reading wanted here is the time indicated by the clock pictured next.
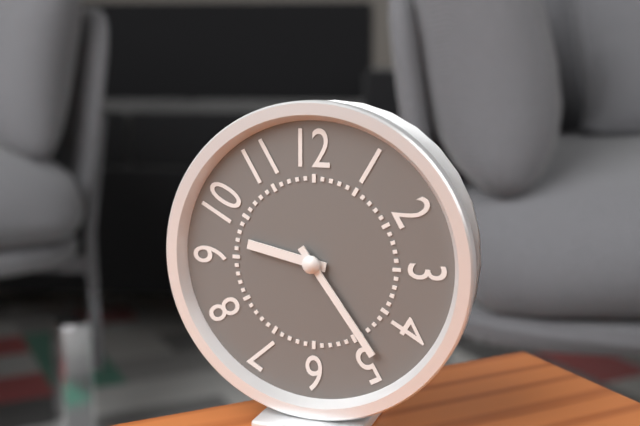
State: 9:24
